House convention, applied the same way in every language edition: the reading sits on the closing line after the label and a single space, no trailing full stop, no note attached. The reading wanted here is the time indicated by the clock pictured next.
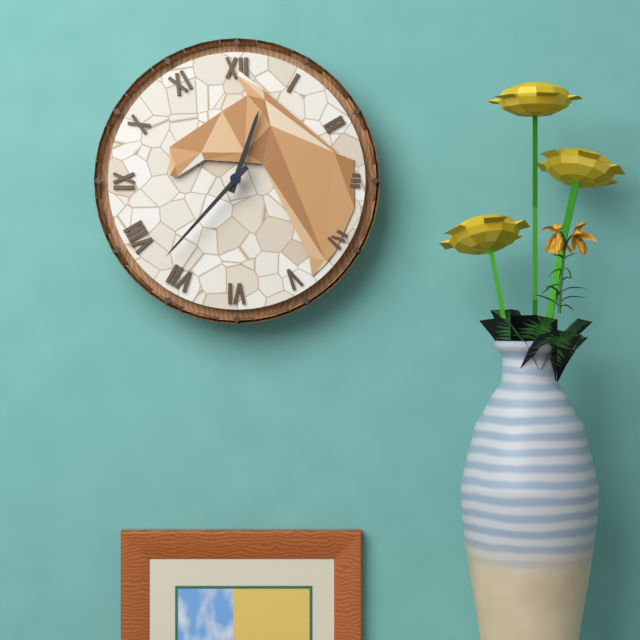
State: 12:37
